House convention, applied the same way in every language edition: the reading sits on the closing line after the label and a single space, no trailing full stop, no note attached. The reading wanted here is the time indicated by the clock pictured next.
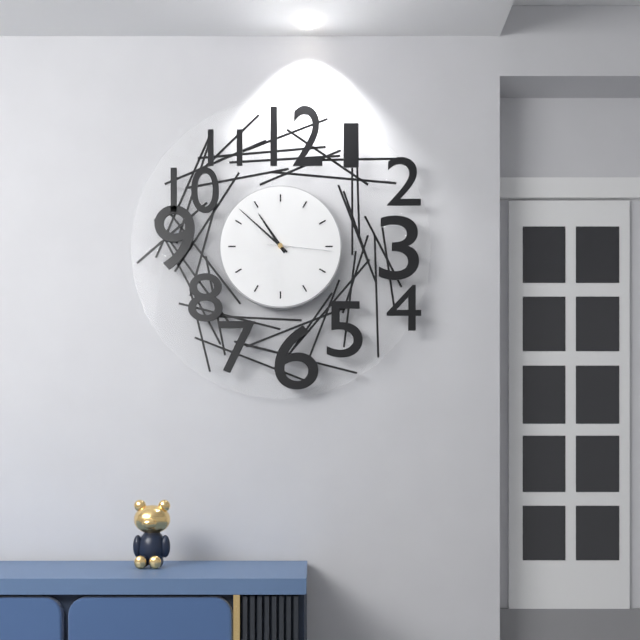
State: 10:52:16
